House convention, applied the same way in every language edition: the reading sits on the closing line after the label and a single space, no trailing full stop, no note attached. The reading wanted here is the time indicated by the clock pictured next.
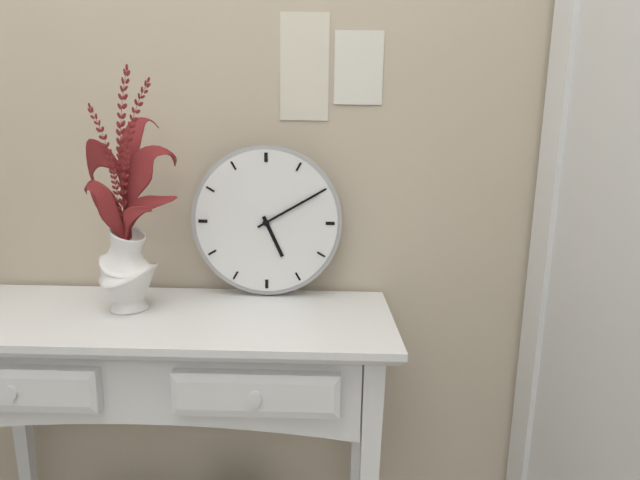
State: 5:10
